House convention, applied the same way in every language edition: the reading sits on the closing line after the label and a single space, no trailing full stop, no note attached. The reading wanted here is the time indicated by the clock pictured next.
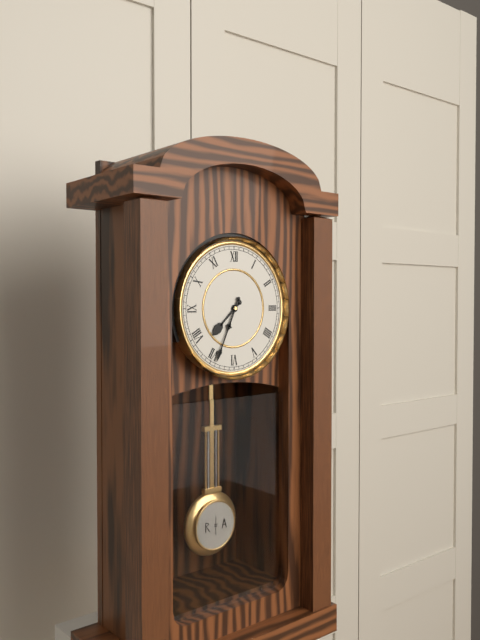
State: 7:34
